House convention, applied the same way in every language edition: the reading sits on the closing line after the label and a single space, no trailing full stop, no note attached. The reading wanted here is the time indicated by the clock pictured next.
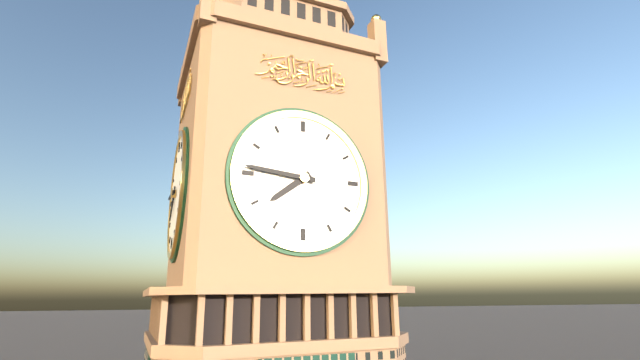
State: 7:46
